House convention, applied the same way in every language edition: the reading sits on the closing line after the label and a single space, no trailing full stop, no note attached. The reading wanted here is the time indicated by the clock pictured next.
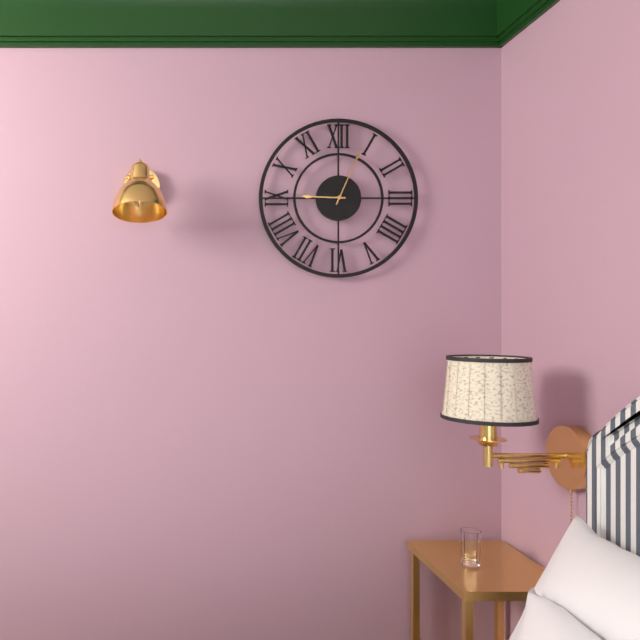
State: 9:04
